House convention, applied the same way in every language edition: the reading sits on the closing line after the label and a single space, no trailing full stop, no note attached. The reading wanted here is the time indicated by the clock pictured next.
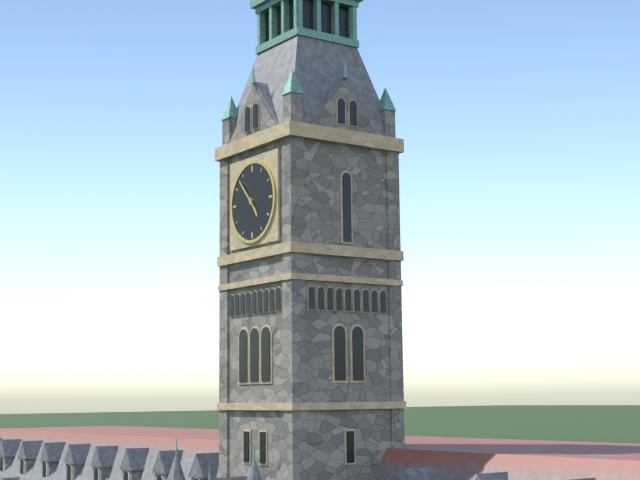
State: 4:53
